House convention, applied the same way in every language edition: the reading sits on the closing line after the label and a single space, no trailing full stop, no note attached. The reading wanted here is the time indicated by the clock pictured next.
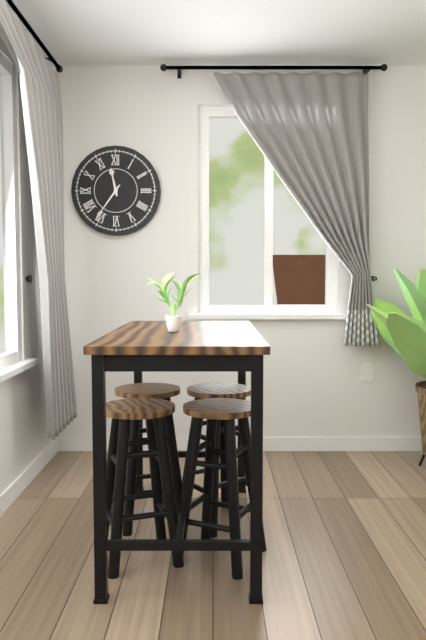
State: 11:36
